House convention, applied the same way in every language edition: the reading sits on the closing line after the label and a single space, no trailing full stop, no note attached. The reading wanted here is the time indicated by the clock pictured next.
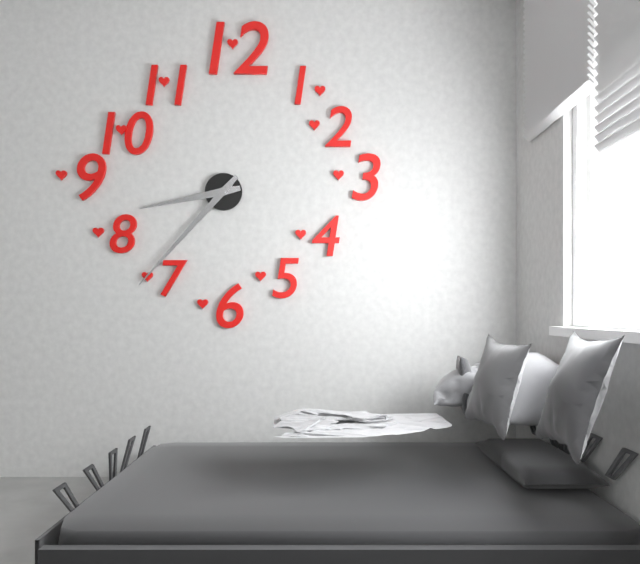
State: 8:37
